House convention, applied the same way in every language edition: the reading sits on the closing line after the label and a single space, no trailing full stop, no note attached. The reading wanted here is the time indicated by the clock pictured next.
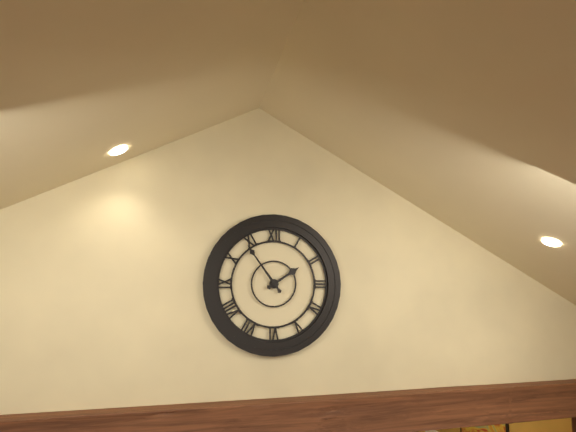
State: 1:54
